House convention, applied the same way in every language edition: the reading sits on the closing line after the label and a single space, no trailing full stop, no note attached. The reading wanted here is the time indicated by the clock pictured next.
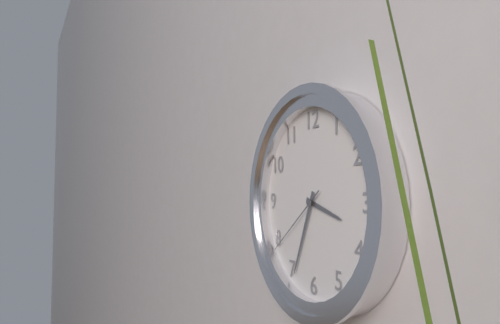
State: 3:34:39
